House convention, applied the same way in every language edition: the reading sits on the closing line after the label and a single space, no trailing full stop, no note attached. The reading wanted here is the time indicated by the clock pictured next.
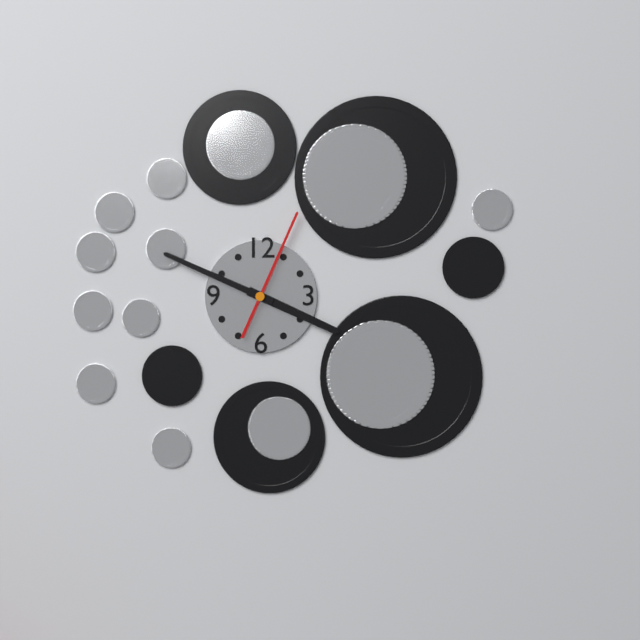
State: 3:49:04
